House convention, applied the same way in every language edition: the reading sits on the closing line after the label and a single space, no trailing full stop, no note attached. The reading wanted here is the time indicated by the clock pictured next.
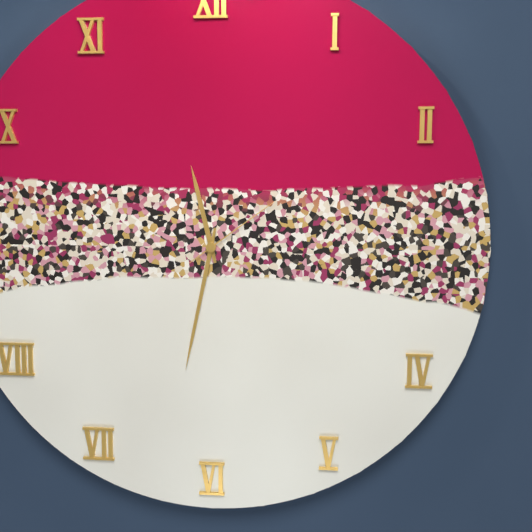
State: 11:32:09
